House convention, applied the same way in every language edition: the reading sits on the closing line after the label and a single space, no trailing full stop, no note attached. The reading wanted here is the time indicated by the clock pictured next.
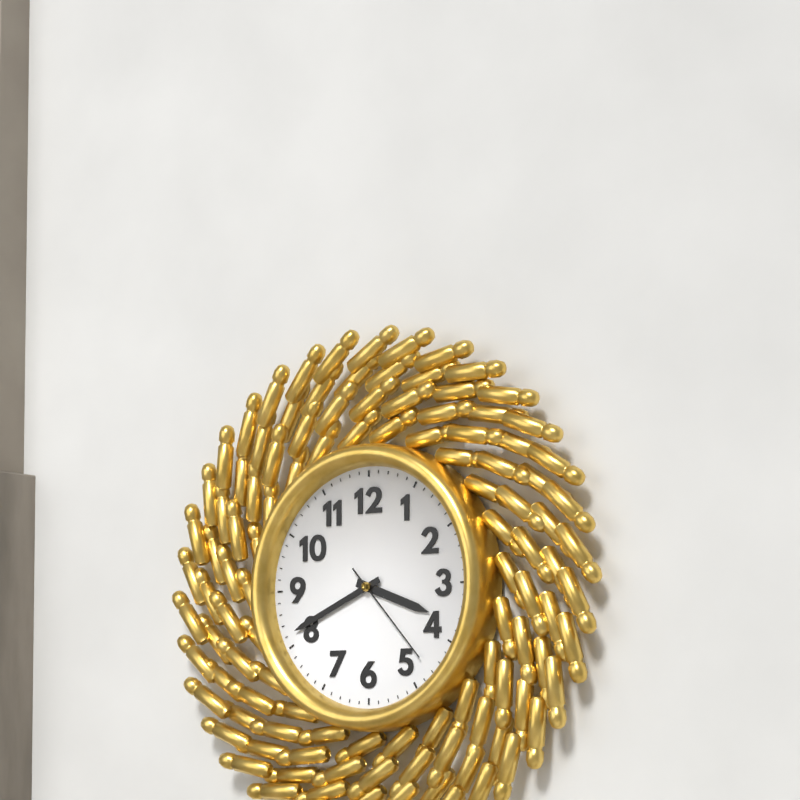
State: 3:41:23
